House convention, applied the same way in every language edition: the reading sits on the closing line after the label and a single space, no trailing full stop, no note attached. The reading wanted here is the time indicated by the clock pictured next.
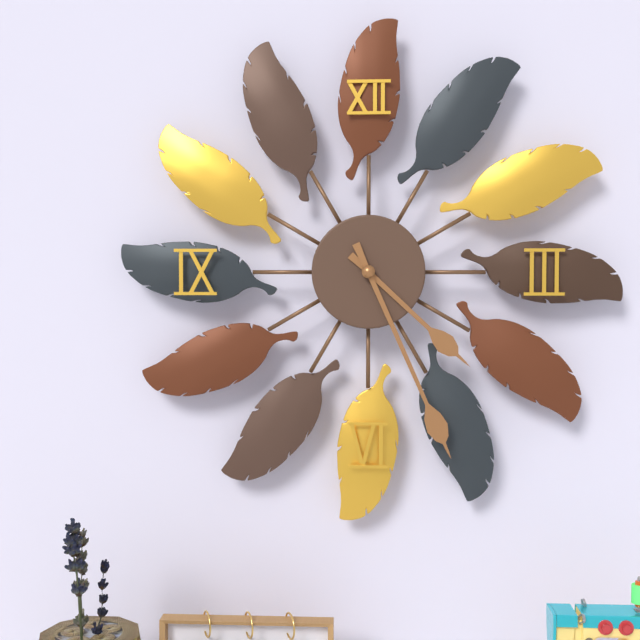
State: 4:26
